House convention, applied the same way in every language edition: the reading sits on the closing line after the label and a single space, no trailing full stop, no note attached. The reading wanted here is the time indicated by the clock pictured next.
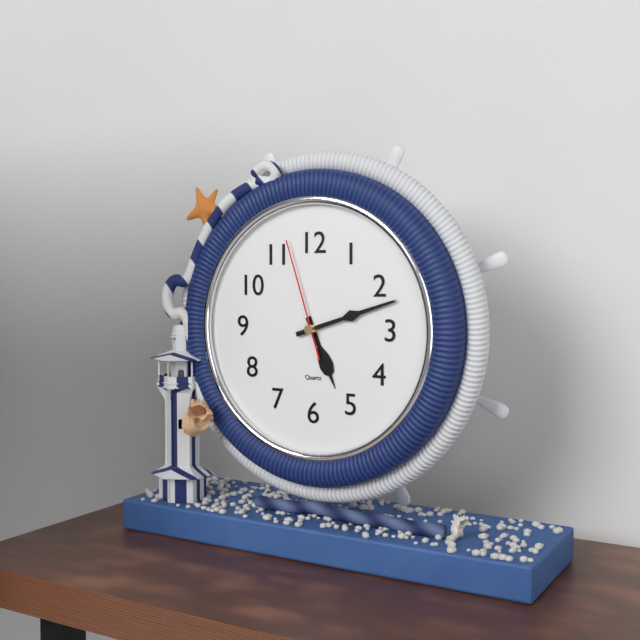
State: 5:12:57
